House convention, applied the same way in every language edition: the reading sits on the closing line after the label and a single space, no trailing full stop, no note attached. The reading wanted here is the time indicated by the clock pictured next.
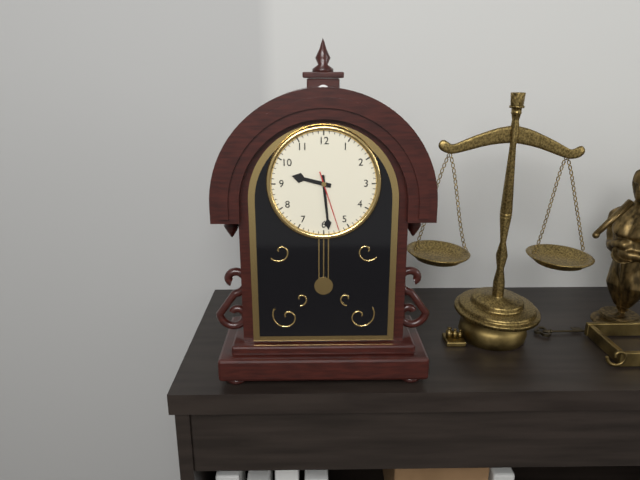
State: 9:29:27
